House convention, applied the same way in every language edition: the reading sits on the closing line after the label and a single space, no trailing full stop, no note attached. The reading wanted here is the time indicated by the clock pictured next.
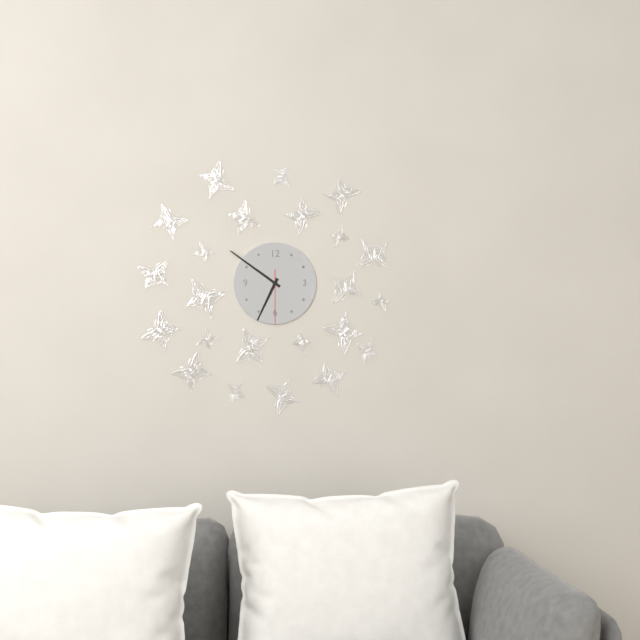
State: 6:51:30
